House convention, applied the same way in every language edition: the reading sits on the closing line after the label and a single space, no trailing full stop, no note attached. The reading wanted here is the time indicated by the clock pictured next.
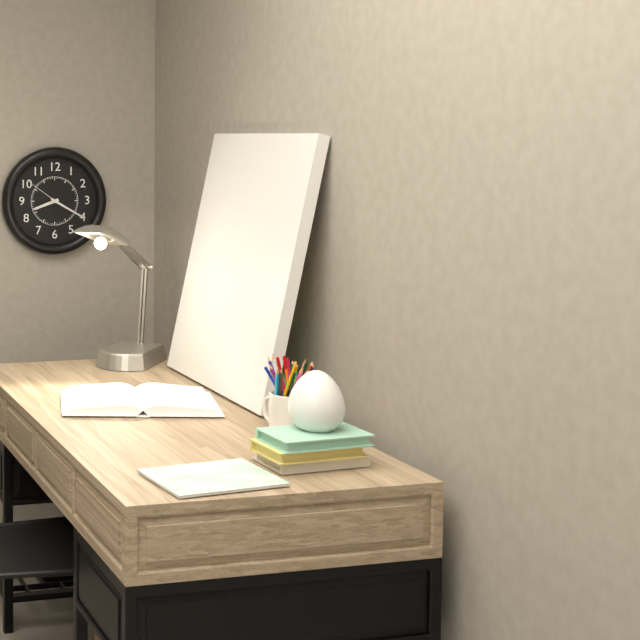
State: 8:20
